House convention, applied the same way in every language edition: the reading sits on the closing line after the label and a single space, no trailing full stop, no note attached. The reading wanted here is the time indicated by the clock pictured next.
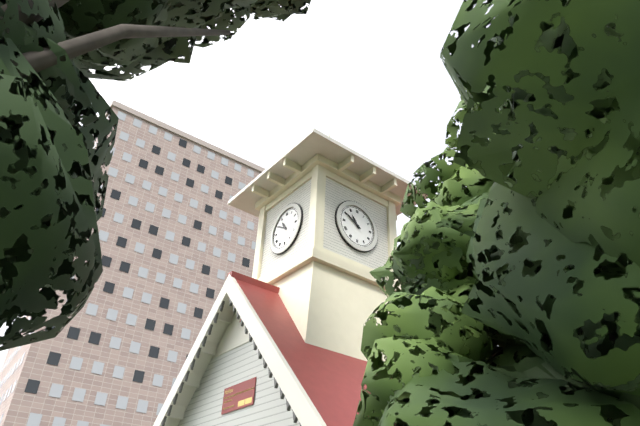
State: 10:50
